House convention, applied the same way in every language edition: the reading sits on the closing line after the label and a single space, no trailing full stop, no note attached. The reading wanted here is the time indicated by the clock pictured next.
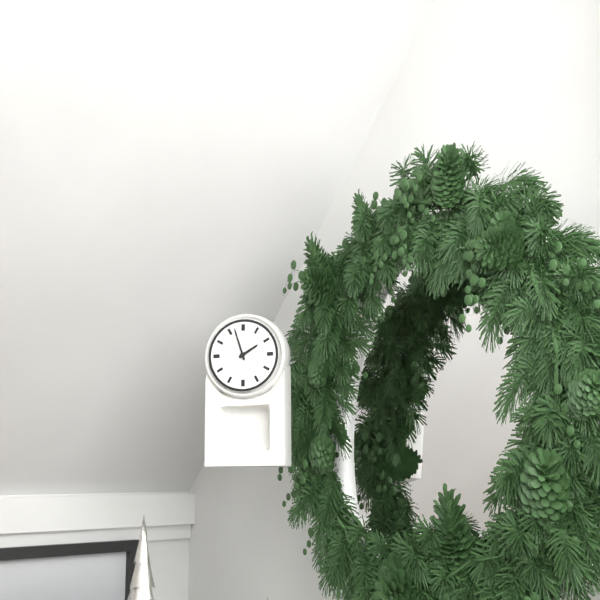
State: 1:57
